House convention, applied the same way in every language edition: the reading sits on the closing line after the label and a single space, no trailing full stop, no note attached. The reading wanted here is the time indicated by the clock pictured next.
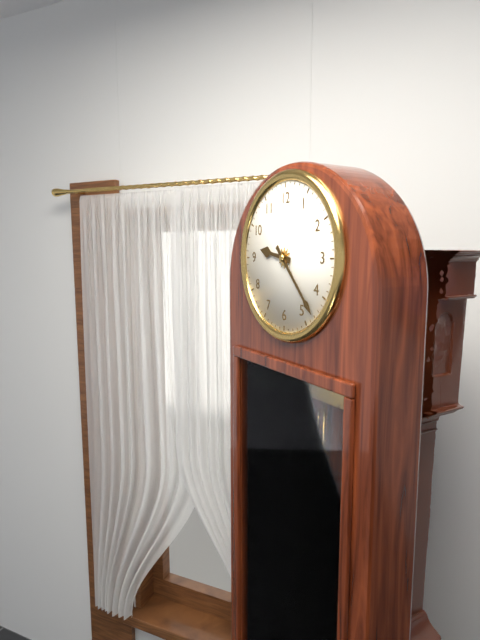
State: 9:23
